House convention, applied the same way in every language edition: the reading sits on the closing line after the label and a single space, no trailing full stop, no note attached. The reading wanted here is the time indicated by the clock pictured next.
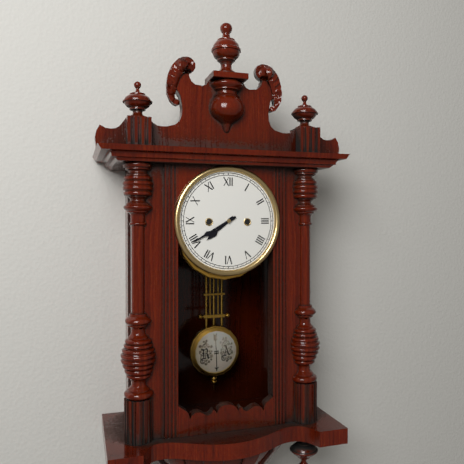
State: 7:40
